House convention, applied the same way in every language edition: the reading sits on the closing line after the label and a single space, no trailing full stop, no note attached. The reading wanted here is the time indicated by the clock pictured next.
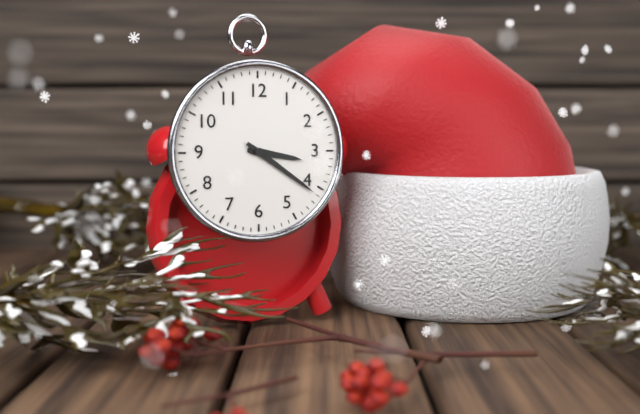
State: 3:21
